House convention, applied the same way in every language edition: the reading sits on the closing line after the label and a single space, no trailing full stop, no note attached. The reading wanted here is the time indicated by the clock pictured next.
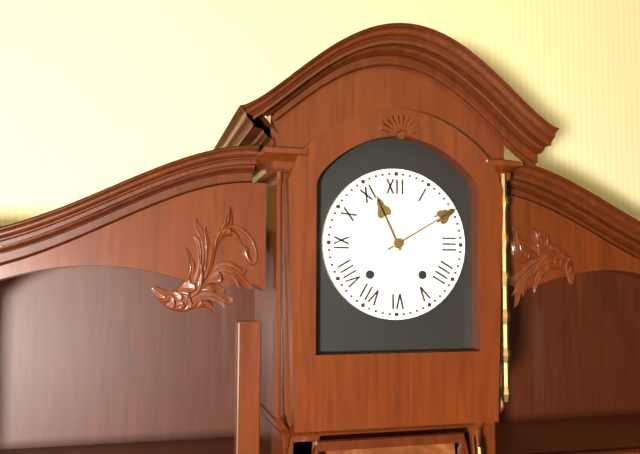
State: 11:10
